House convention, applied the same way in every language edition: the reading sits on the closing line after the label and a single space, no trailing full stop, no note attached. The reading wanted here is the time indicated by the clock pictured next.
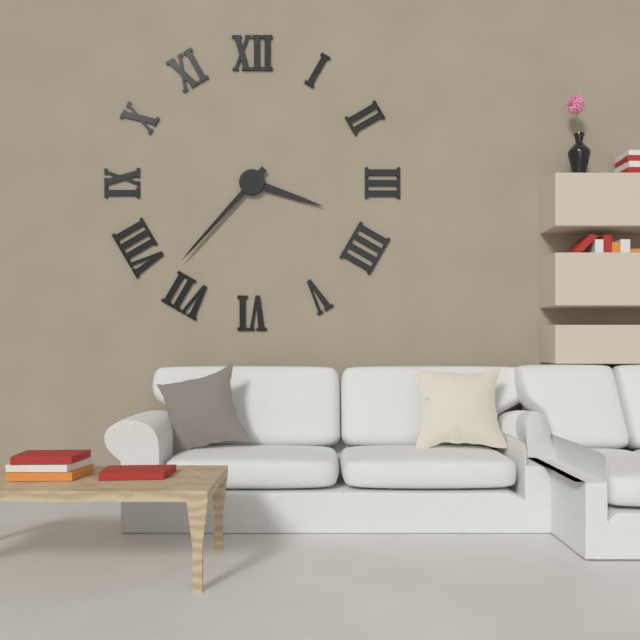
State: 3:37
